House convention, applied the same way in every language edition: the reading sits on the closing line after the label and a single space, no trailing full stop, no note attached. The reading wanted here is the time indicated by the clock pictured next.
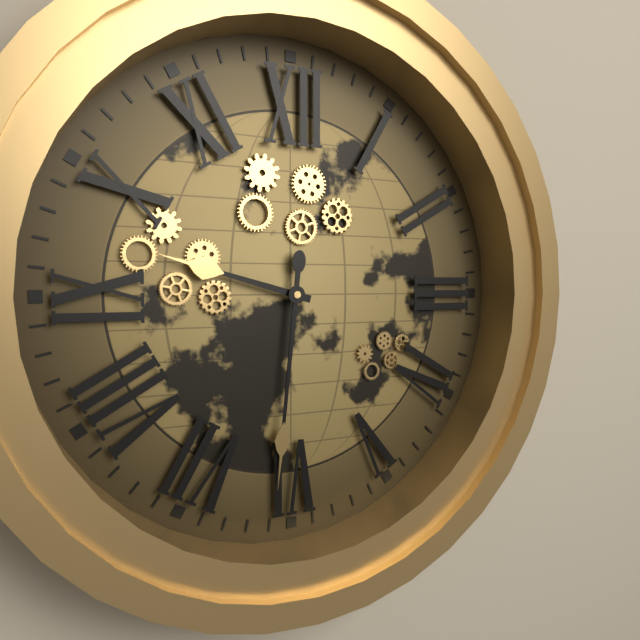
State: 9:31
